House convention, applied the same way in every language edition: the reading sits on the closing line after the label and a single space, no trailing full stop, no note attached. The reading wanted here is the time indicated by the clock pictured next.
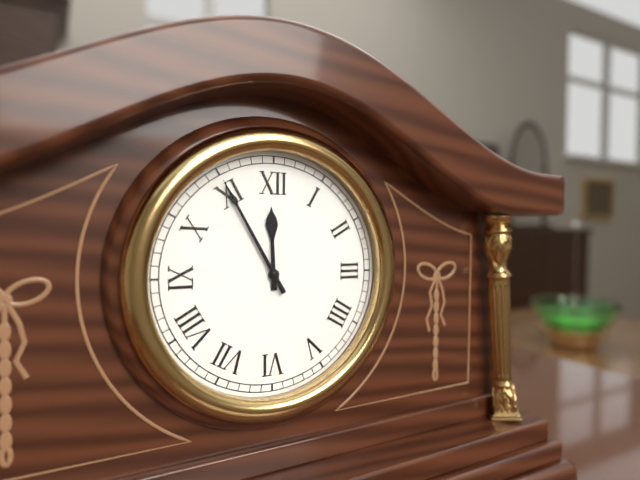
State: 11:55
